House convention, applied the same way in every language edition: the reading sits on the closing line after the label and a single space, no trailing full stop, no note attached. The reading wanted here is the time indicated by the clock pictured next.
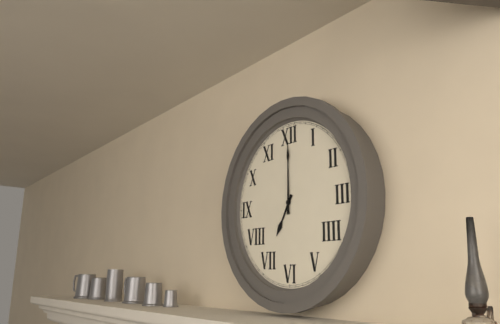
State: 7:00
